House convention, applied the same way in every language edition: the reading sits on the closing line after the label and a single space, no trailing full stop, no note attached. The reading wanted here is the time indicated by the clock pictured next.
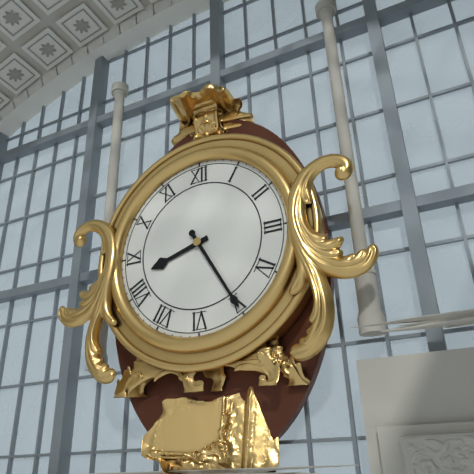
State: 8:25
